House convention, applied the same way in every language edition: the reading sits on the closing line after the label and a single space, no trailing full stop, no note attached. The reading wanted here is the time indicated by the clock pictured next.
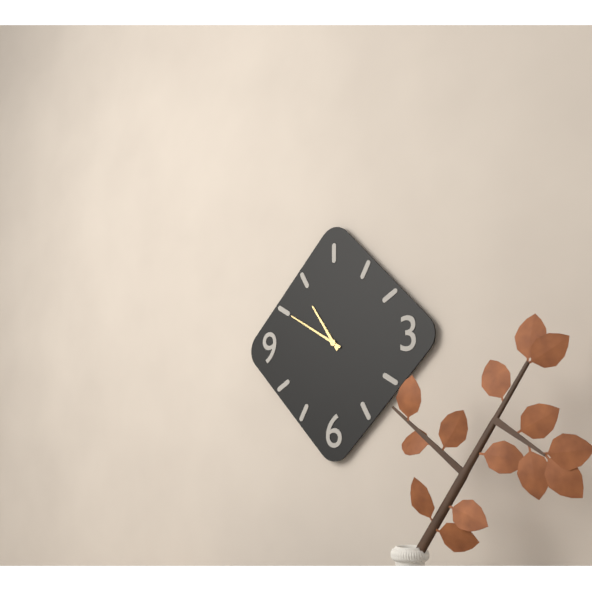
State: 10:50
